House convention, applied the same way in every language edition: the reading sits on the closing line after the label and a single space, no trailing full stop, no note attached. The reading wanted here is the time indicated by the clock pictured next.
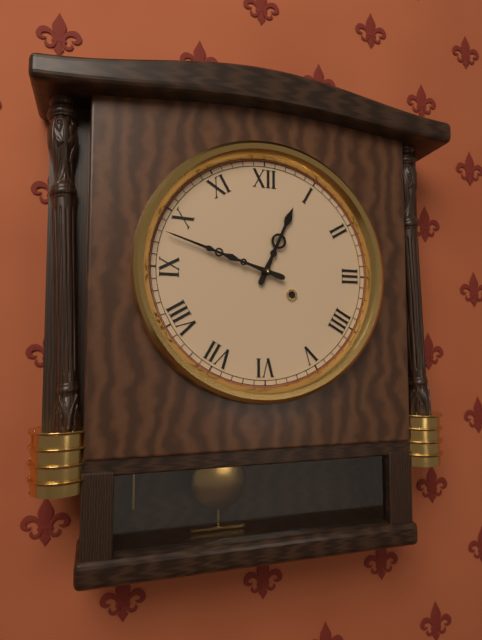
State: 12:48
